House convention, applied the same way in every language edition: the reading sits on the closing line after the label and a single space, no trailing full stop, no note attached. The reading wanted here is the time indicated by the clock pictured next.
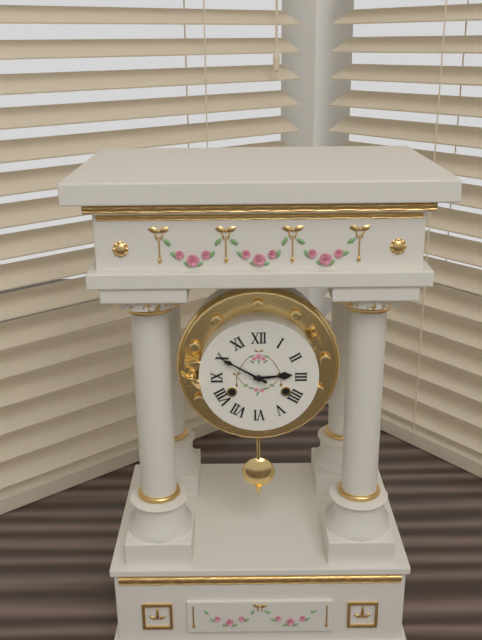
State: 2:50
